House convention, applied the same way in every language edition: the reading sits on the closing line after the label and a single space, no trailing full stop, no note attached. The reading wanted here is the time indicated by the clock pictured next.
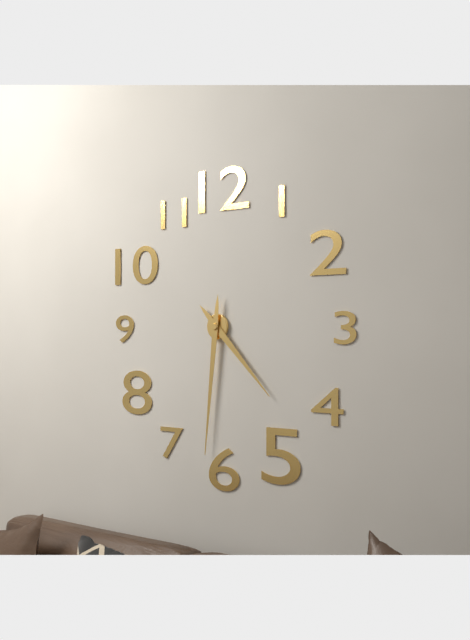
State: 4:31
